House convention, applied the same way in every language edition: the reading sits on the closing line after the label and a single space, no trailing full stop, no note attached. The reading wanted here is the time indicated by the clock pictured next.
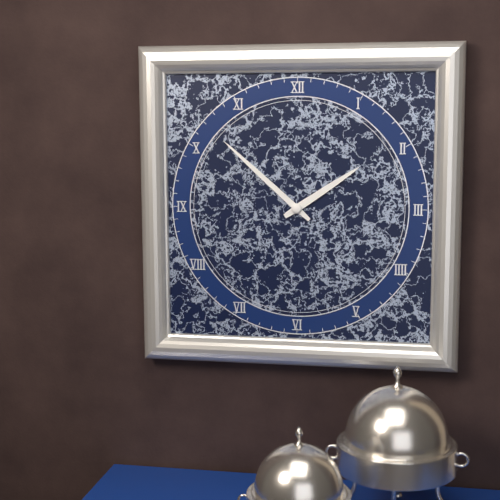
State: 1:52
